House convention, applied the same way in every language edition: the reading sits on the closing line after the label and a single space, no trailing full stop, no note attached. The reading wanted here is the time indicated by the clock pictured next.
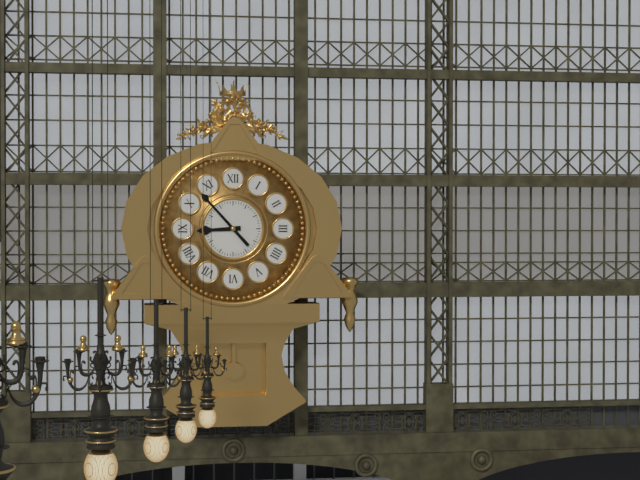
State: 8:53
